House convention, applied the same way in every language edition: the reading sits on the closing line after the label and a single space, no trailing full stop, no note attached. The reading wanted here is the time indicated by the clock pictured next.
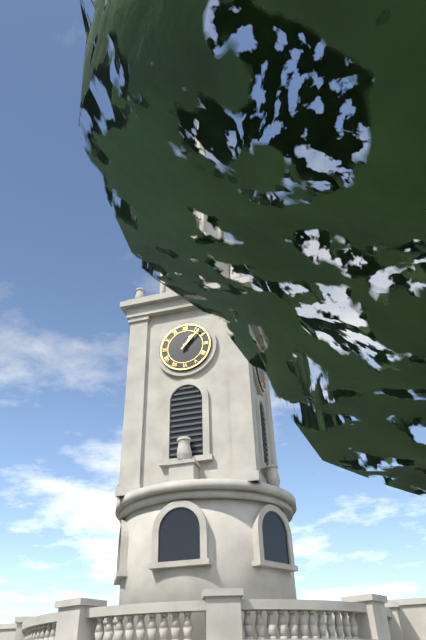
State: 1:07
